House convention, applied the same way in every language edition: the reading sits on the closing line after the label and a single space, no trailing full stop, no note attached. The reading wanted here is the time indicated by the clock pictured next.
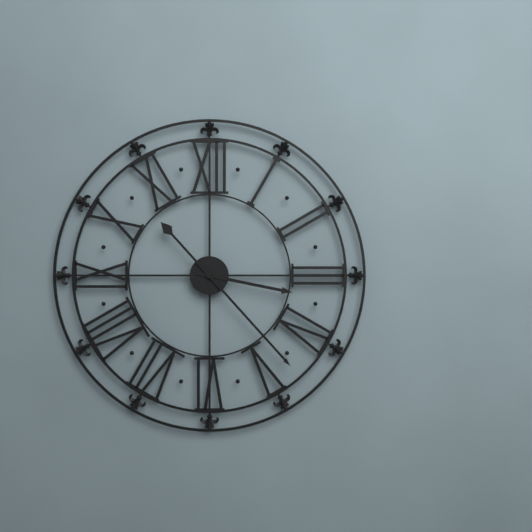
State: 3:23
